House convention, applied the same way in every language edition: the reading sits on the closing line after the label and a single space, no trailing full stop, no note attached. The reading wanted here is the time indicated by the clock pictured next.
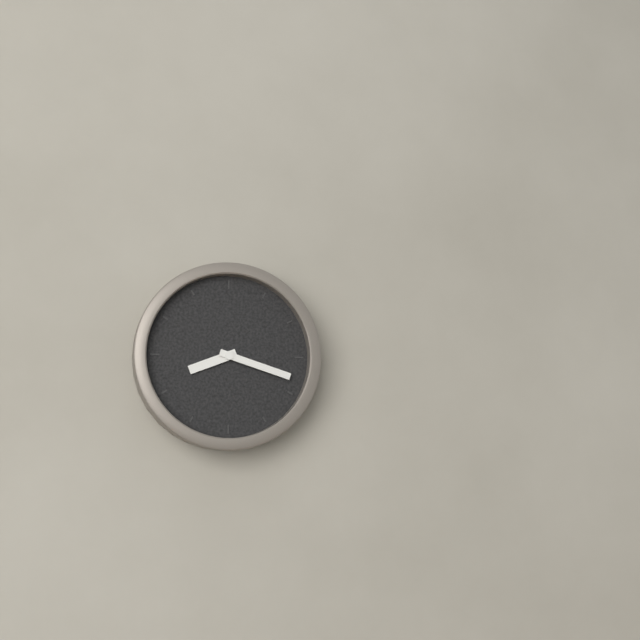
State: 8:18
